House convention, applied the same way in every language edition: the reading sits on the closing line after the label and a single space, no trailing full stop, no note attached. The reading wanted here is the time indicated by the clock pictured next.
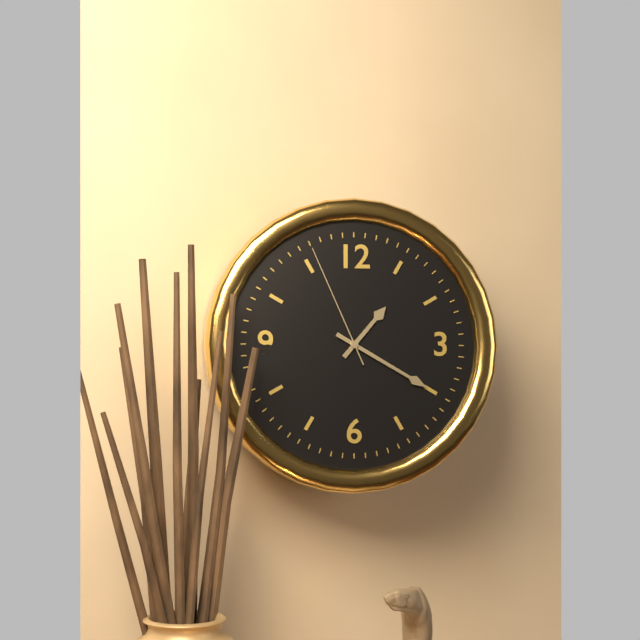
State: 1:20:56
